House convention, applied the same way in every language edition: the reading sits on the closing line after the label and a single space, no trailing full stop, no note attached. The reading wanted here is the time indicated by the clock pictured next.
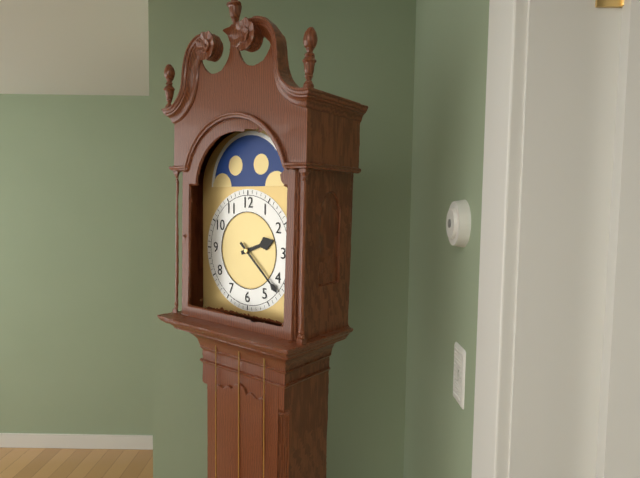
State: 2:22
